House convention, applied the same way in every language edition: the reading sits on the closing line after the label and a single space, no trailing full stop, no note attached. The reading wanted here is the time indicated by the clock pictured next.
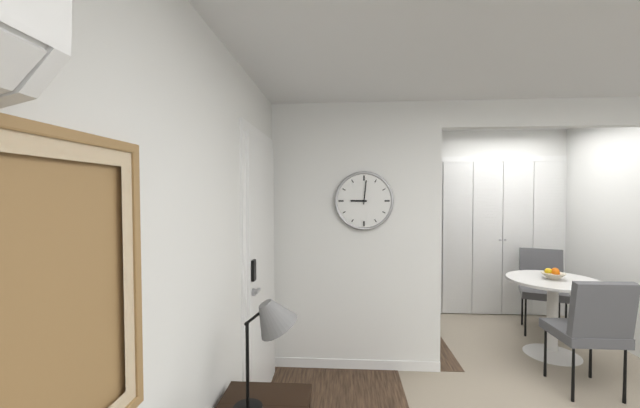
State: 9:01
